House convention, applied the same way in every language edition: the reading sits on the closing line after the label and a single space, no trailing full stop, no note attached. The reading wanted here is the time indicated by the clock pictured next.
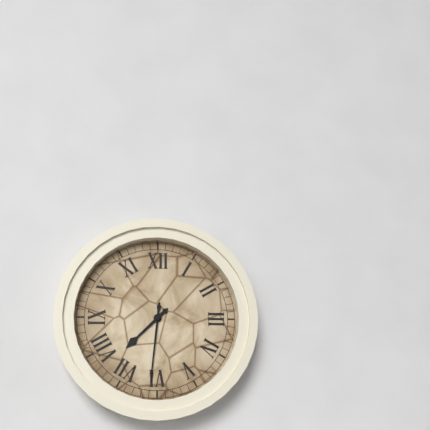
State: 7:31
